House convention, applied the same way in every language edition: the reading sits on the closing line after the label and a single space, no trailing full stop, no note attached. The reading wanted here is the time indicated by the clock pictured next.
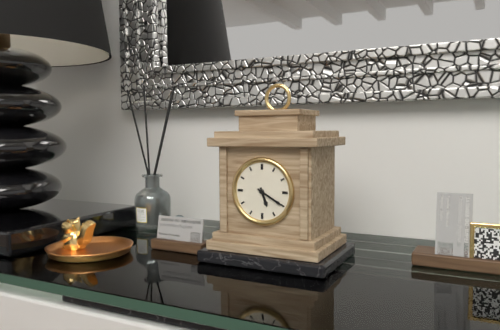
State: 5:20
